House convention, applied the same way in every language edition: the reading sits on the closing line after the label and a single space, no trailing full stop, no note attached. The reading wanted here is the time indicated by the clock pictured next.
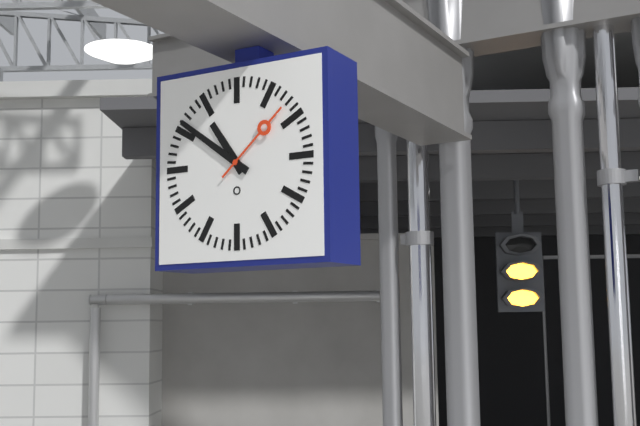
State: 10:51:08
